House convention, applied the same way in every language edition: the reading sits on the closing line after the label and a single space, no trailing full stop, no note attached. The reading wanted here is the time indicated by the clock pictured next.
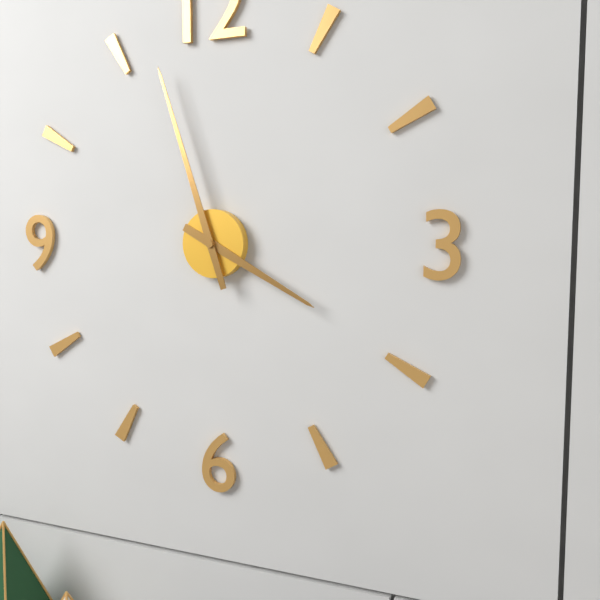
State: 3:57
